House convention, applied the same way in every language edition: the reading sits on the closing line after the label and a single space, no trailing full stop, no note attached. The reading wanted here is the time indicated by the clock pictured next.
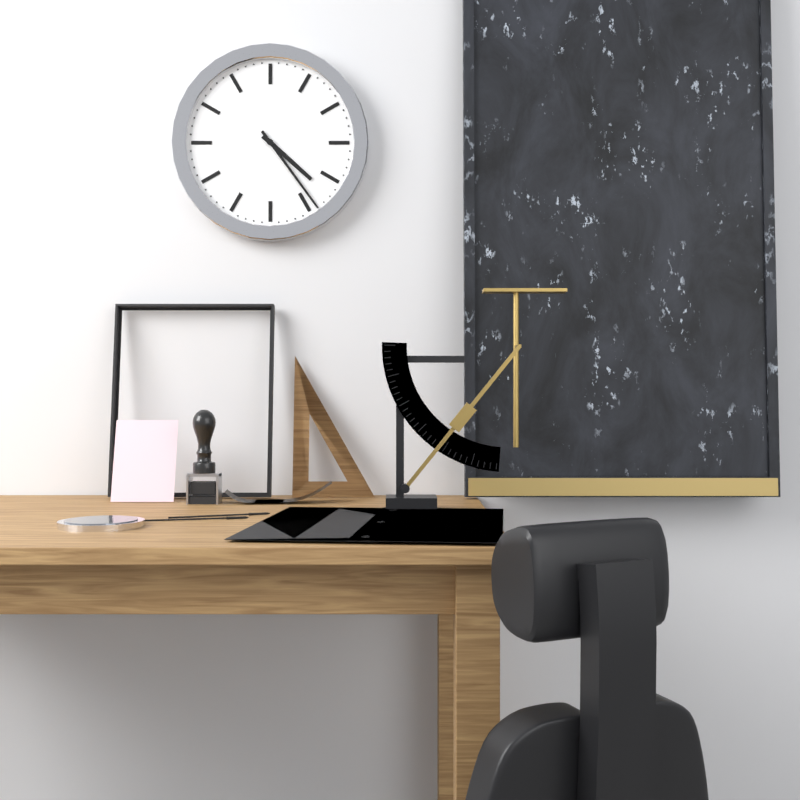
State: 4:24
